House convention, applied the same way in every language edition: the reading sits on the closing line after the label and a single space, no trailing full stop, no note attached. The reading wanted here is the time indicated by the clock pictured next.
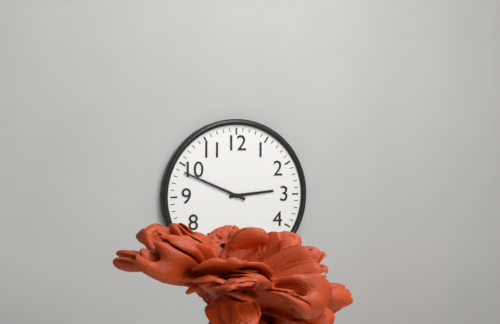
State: 2:49
